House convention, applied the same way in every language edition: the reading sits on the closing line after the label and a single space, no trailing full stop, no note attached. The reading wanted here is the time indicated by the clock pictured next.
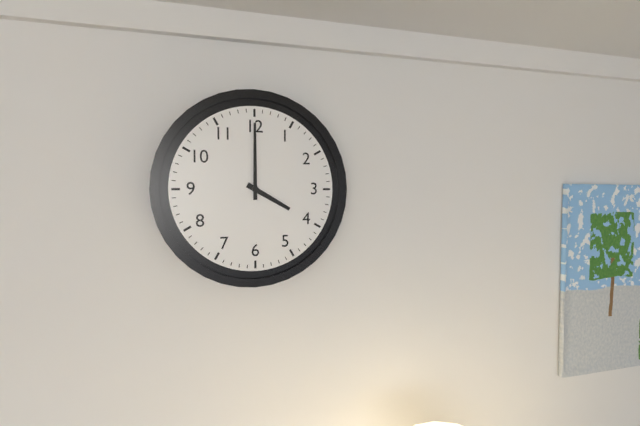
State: 4:00
